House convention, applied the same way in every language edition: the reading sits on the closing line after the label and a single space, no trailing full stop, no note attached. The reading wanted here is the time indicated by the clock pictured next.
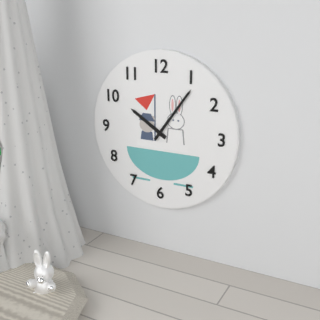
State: 10:06
